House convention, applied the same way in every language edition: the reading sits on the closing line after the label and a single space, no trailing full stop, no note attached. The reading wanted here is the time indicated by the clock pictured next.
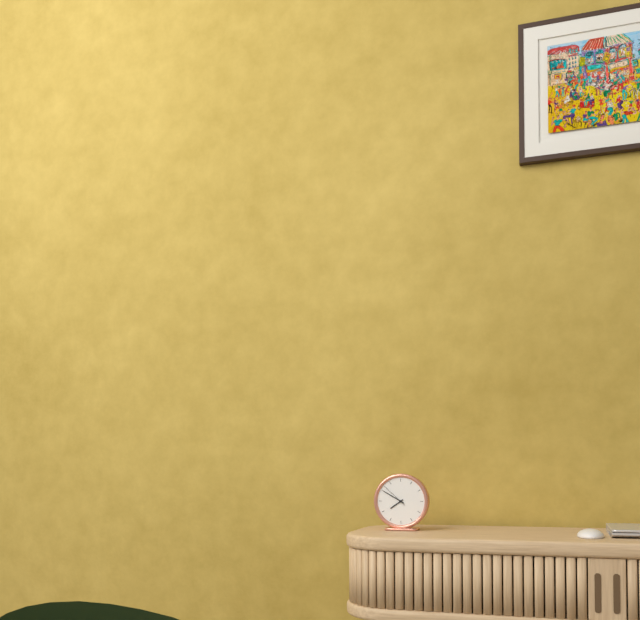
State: 7:50
